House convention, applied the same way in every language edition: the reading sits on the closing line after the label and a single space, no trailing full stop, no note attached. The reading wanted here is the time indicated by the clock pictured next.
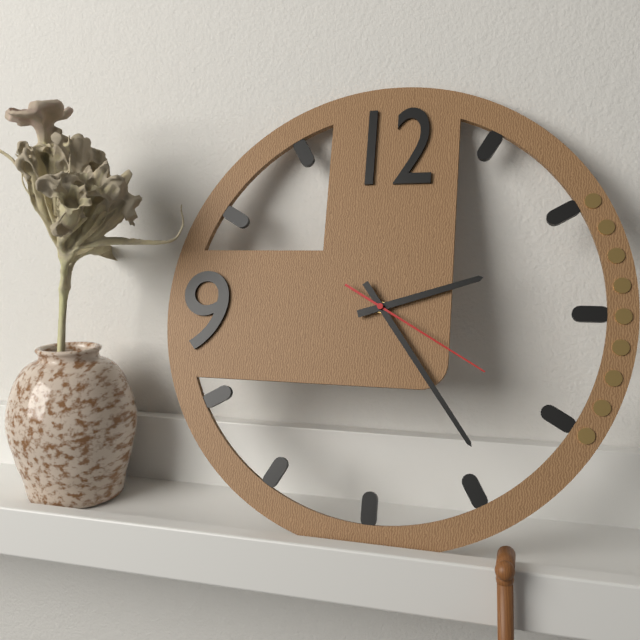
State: 2:24:20
